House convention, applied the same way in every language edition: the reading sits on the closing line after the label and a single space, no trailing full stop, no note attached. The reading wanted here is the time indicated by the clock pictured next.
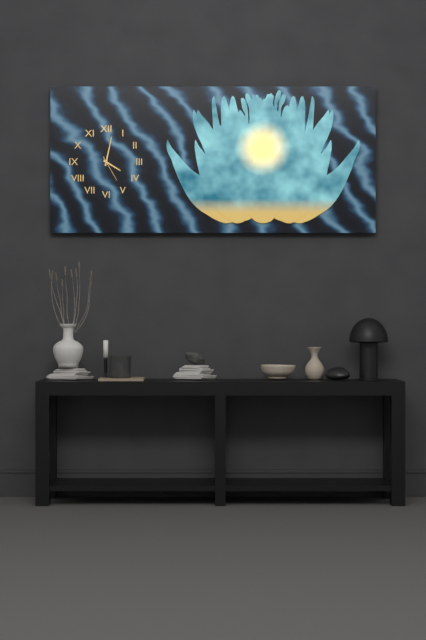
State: 4:02
